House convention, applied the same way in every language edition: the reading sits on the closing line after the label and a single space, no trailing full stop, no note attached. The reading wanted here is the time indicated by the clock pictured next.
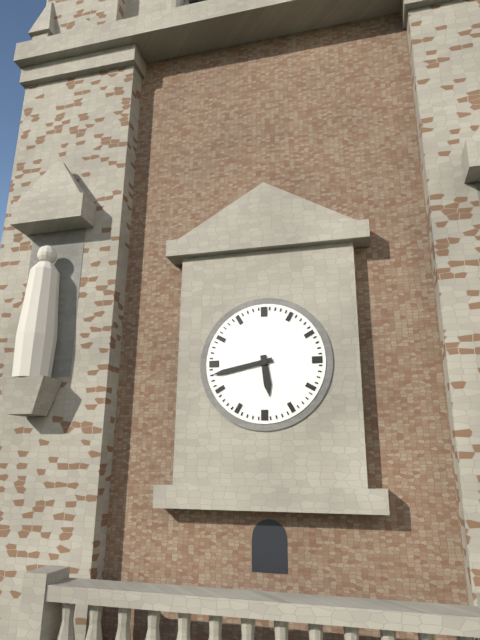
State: 5:43
